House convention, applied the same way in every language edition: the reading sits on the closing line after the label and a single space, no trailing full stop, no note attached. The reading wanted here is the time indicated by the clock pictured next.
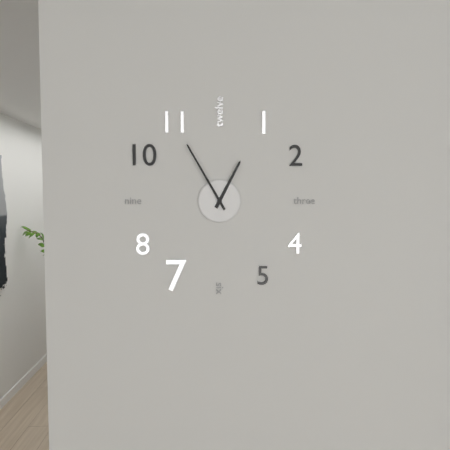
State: 12:55
